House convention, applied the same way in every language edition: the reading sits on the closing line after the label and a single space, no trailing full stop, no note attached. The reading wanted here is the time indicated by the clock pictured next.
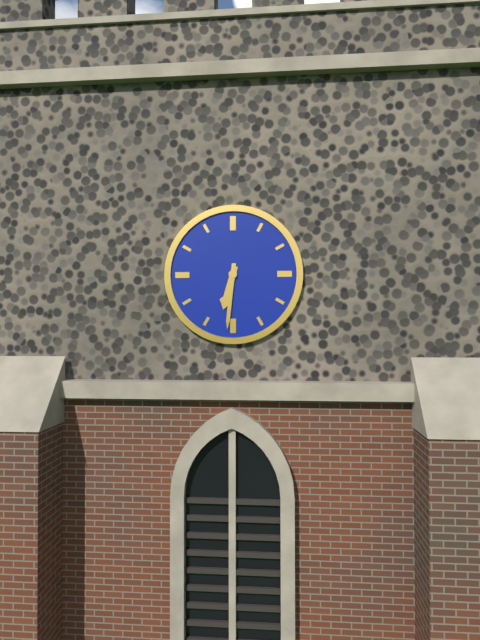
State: 6:31
